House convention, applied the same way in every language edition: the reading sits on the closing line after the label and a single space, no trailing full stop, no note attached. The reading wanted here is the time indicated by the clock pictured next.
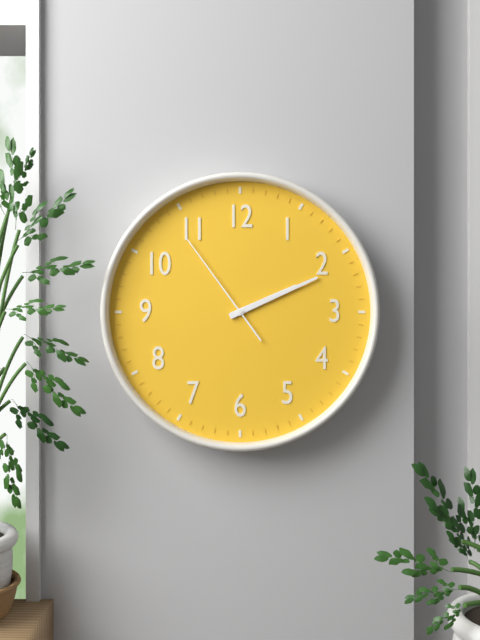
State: 2:11:54
